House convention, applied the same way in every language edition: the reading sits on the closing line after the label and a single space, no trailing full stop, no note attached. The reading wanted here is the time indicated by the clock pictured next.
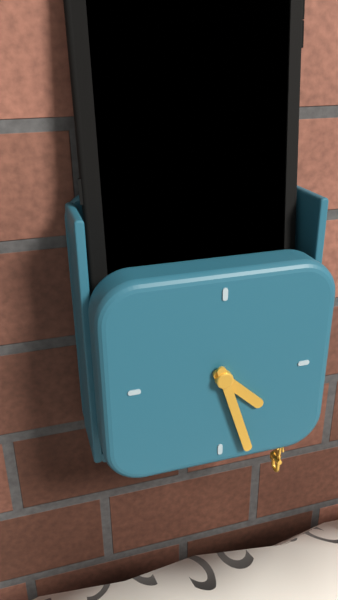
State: 4:27
